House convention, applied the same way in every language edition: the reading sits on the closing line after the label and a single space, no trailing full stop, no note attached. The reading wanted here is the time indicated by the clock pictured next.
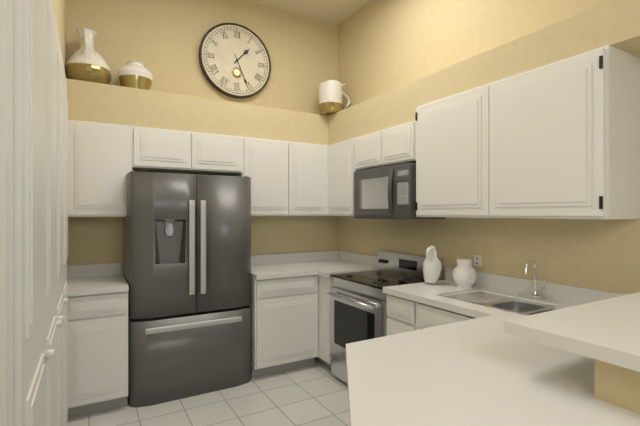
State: 1:26
